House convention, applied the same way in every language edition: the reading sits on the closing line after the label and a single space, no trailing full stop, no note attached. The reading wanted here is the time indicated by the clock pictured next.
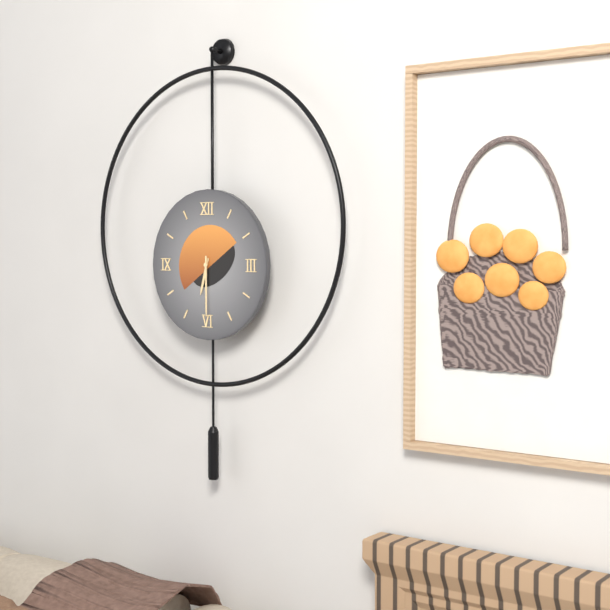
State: 6:30
